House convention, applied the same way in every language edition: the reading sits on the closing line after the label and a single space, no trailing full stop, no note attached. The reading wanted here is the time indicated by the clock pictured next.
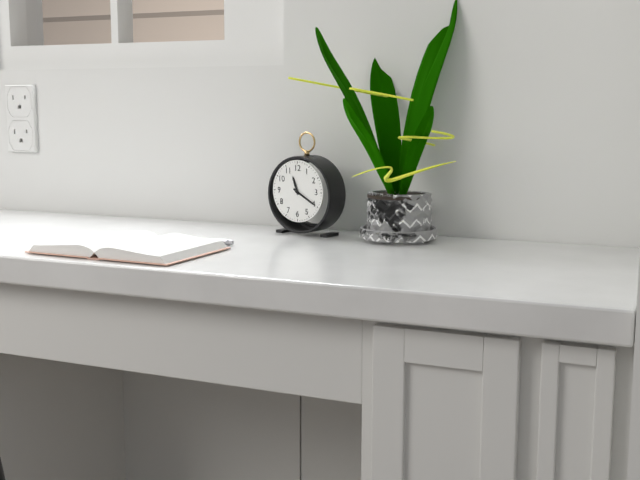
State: 11:20
